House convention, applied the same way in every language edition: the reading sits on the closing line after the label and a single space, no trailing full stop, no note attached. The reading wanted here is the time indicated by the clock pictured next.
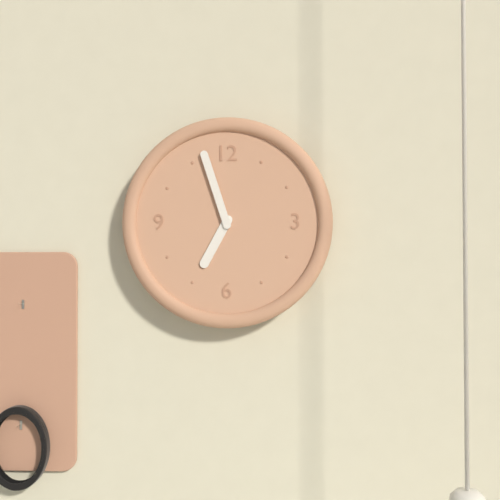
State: 6:57
